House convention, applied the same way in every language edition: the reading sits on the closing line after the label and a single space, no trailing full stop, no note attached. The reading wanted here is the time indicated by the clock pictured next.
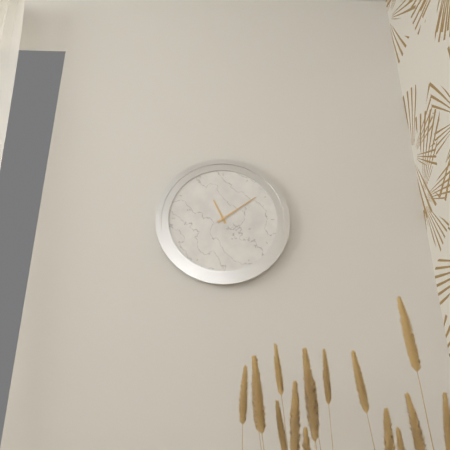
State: 11:09
